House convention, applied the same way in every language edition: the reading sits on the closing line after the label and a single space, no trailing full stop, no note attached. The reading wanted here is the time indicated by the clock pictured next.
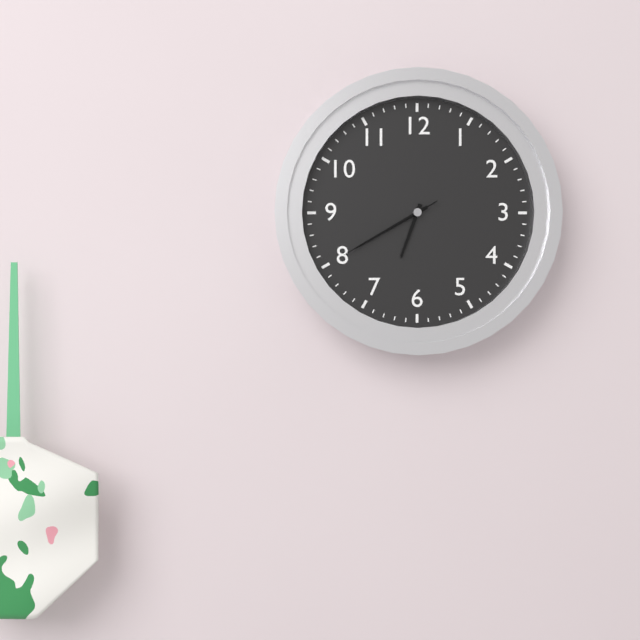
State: 6:40:40
